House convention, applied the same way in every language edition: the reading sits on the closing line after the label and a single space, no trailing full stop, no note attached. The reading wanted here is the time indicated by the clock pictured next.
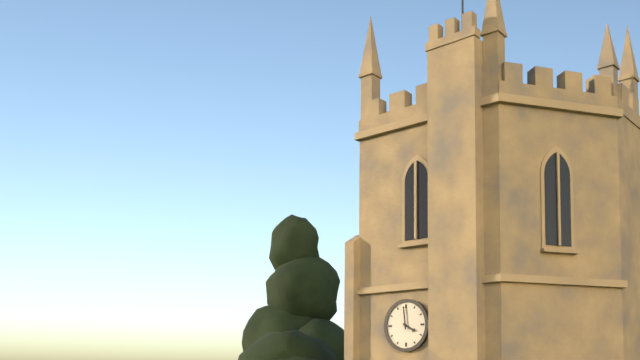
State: 3:59
